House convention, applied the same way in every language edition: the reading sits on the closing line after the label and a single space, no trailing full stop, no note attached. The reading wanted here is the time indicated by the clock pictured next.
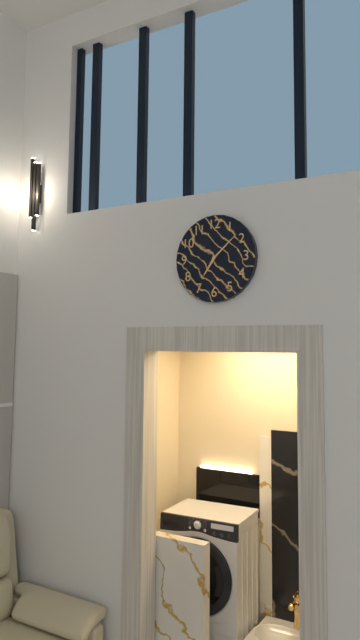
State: 7:08
